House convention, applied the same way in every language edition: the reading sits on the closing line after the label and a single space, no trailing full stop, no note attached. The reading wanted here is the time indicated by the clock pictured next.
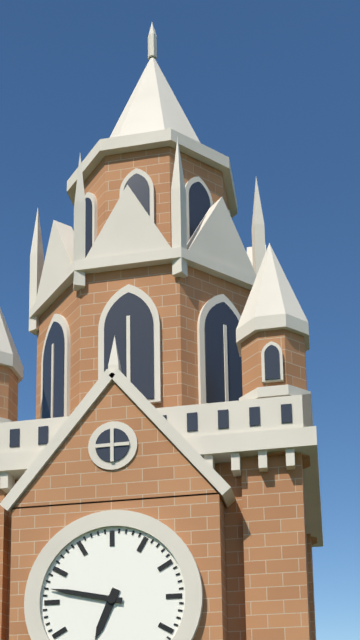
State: 6:47
